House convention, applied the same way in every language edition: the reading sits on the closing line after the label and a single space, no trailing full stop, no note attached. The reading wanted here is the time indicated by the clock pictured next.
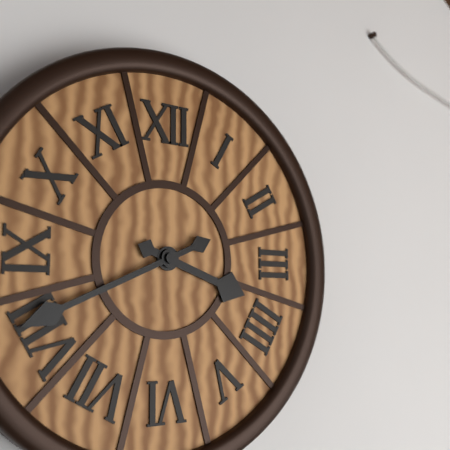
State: 3:41
